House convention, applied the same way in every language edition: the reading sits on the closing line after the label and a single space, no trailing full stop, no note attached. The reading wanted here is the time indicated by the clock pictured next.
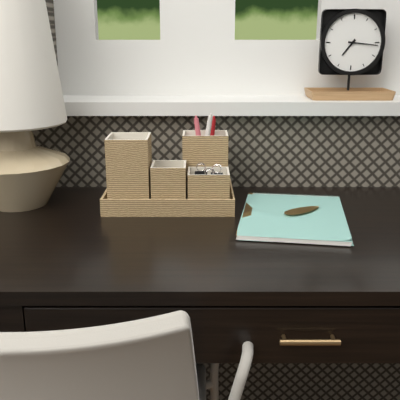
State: 7:16
